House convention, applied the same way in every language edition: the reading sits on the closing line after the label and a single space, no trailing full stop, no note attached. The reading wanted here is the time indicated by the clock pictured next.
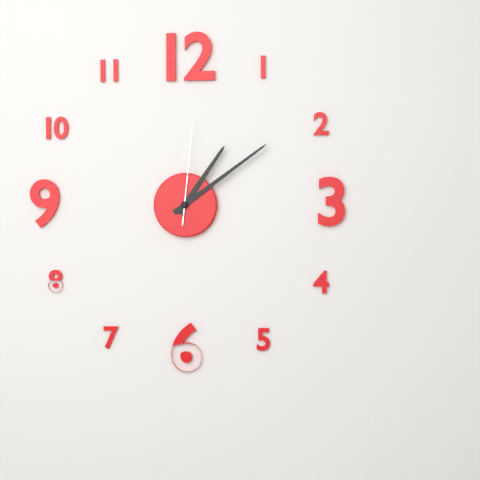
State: 1:09:01
